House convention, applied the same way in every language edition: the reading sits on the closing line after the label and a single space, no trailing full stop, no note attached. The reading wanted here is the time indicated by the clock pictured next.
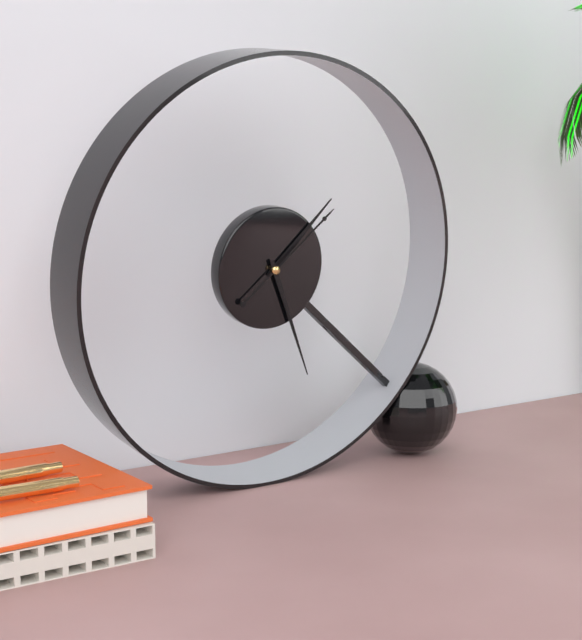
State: 1:26:08
